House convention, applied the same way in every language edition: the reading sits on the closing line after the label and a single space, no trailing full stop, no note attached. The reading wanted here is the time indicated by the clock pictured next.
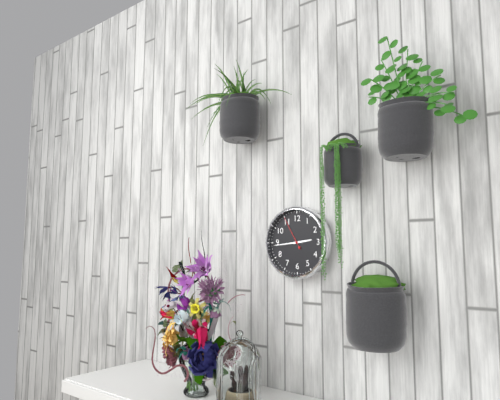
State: 2:44
